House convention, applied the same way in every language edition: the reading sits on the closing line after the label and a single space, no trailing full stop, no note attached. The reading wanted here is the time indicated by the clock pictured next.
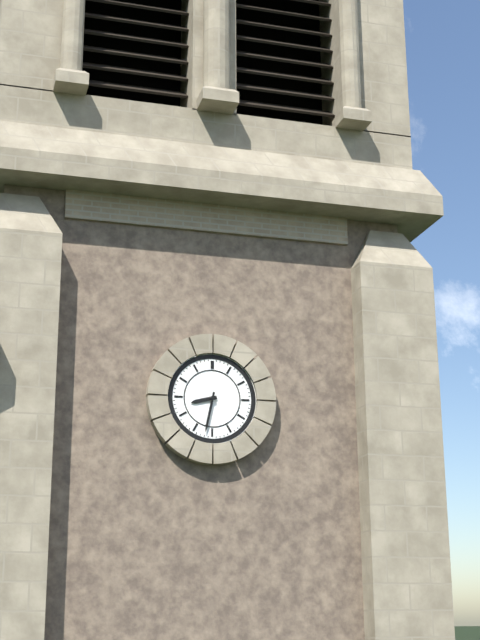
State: 8:32
